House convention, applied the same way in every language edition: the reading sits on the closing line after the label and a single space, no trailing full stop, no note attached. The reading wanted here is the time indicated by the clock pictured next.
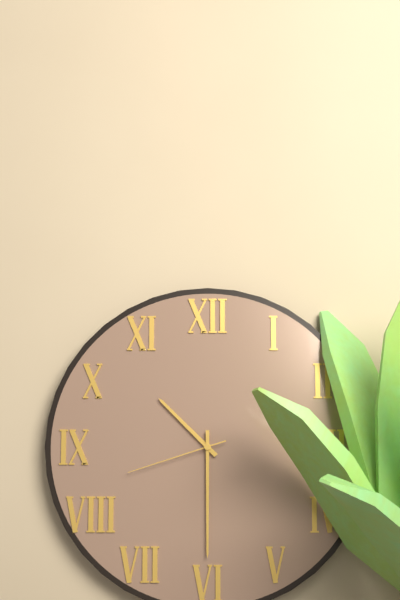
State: 10:30:42
